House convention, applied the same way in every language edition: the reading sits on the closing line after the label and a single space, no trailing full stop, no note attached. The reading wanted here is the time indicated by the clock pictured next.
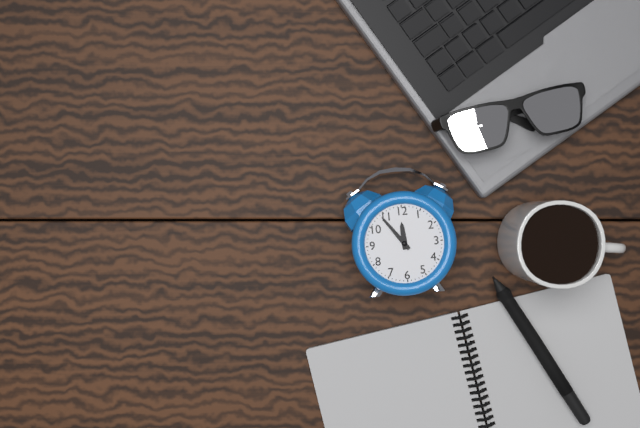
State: 11:54
